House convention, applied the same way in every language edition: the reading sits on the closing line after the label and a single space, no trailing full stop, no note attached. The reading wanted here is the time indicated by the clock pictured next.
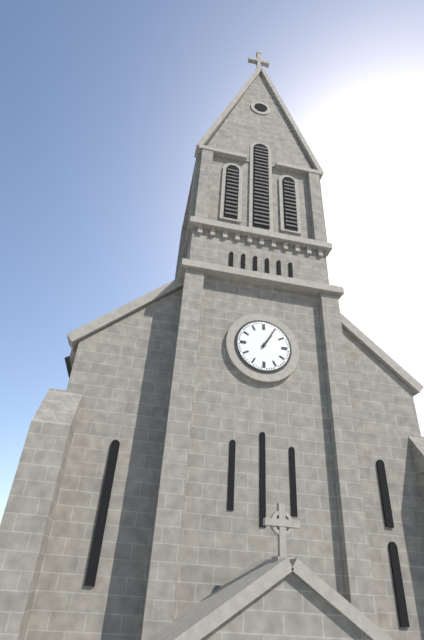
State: 1:05
